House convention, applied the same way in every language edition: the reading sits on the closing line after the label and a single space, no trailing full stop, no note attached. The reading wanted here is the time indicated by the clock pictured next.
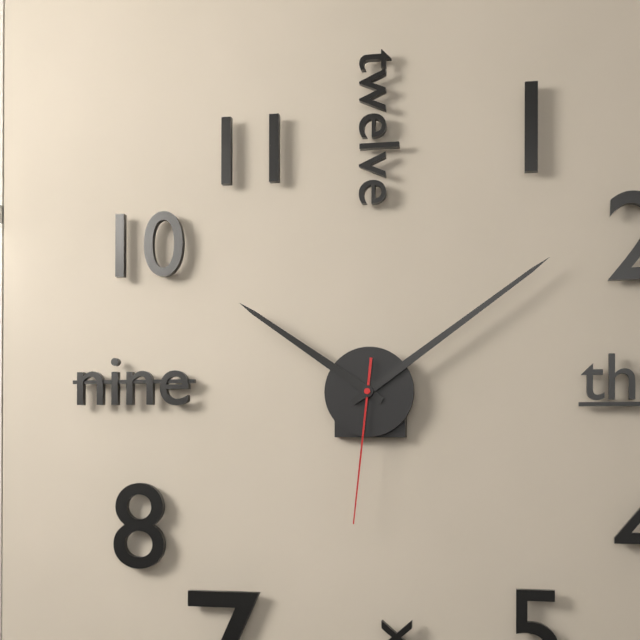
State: 10:09:31
